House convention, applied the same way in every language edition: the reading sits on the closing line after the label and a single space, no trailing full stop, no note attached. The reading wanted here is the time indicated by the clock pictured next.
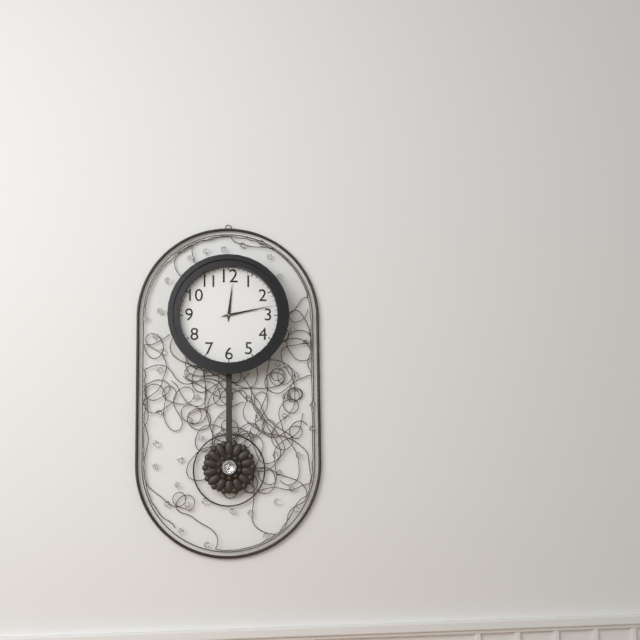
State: 12:13
